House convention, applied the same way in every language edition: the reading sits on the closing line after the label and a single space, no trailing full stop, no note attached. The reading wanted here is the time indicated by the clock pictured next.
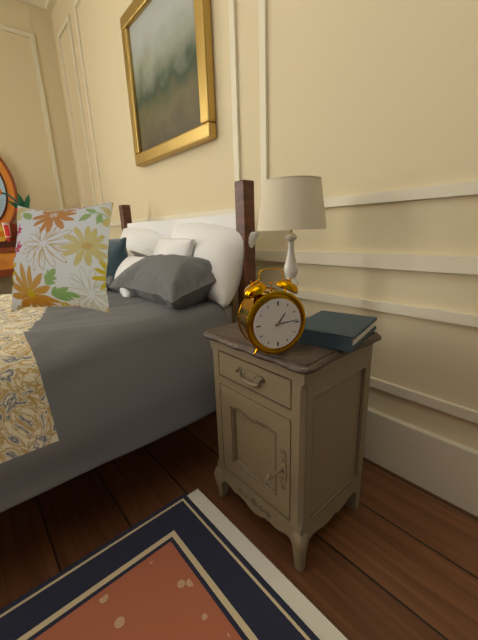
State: 1:14
